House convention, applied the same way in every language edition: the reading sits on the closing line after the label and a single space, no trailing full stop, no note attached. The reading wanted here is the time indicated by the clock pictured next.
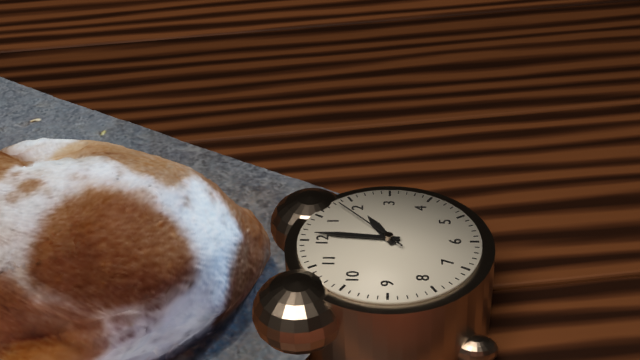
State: 2:01:08
